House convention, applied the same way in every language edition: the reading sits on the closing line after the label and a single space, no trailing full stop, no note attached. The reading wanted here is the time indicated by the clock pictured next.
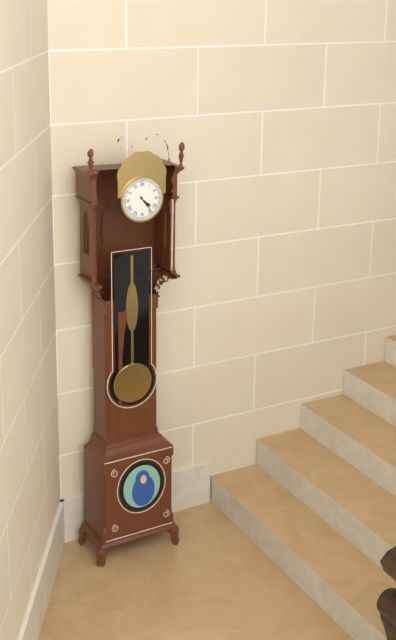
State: 4:24
